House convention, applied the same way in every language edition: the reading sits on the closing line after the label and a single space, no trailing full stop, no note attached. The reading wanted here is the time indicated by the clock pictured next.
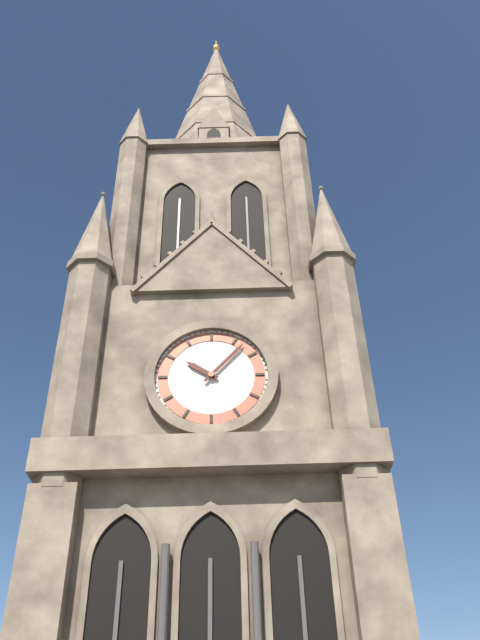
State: 10:07
